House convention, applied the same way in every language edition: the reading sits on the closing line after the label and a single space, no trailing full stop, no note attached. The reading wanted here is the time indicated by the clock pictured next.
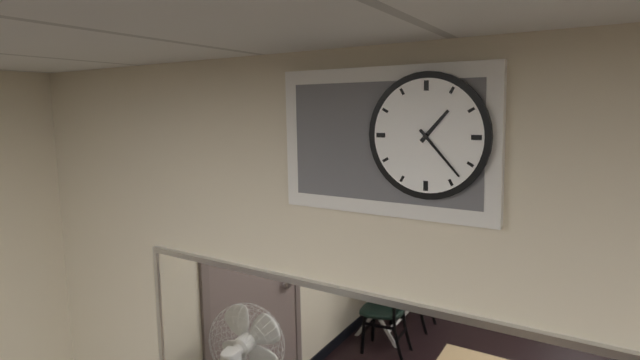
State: 1:23
